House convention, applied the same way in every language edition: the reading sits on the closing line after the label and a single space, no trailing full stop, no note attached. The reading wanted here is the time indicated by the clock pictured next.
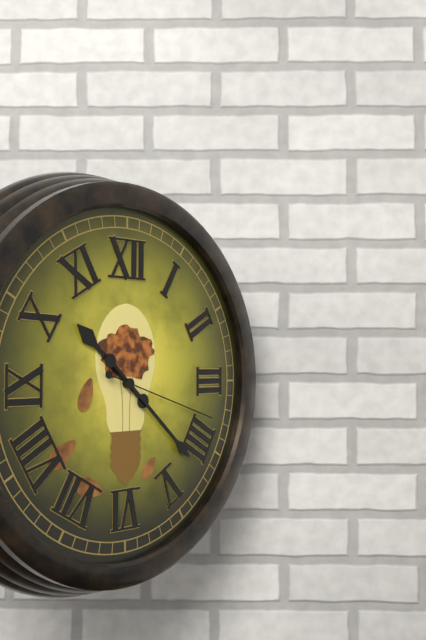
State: 10:22:18
